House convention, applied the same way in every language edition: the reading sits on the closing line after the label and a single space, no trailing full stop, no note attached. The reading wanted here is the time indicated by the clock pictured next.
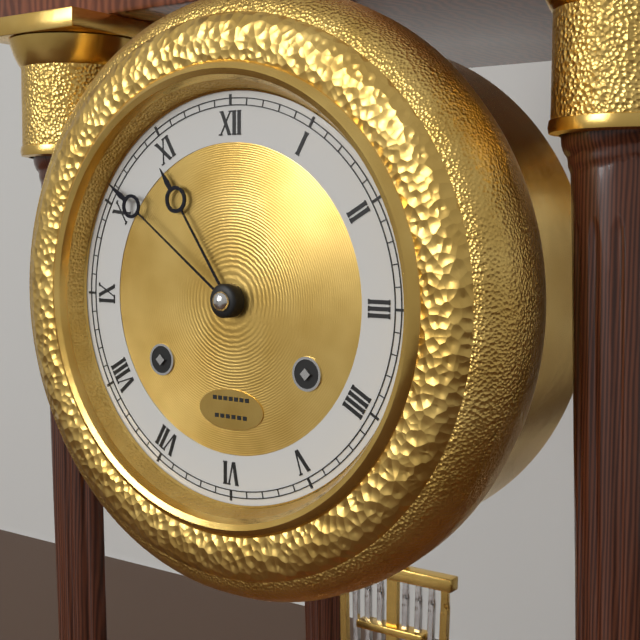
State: 10:51
